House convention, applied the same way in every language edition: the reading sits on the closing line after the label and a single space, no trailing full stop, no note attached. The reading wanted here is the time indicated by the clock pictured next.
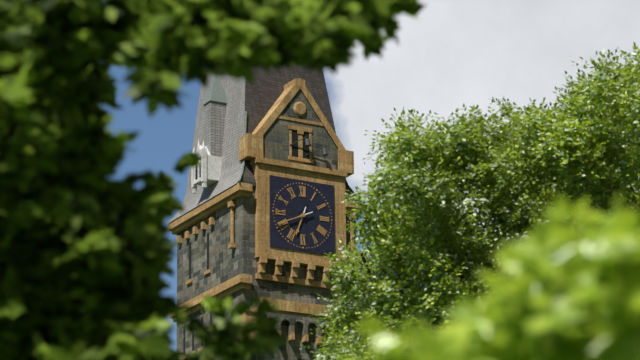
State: 6:41
